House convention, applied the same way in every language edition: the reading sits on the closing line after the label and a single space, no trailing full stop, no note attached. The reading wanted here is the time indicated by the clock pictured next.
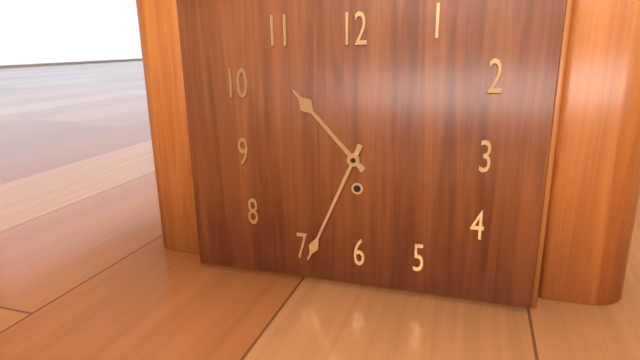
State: 10:34
